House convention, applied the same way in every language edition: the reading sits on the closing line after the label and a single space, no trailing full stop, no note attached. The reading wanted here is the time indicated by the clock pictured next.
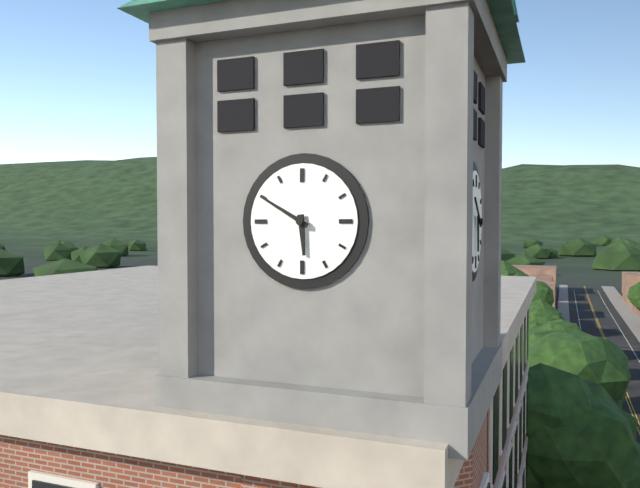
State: 5:50
